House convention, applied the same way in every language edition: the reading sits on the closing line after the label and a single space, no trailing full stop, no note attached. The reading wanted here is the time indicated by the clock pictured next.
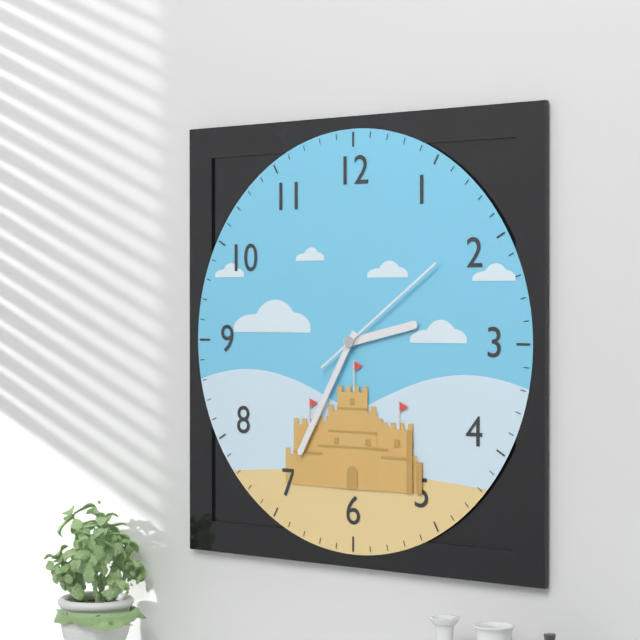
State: 2:35:09
